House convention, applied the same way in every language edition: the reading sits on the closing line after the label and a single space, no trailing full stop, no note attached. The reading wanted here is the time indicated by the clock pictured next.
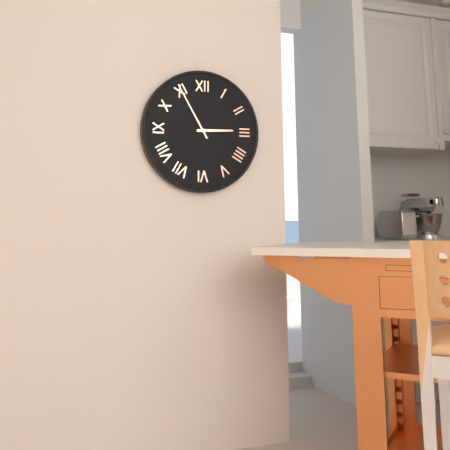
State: 2:55
